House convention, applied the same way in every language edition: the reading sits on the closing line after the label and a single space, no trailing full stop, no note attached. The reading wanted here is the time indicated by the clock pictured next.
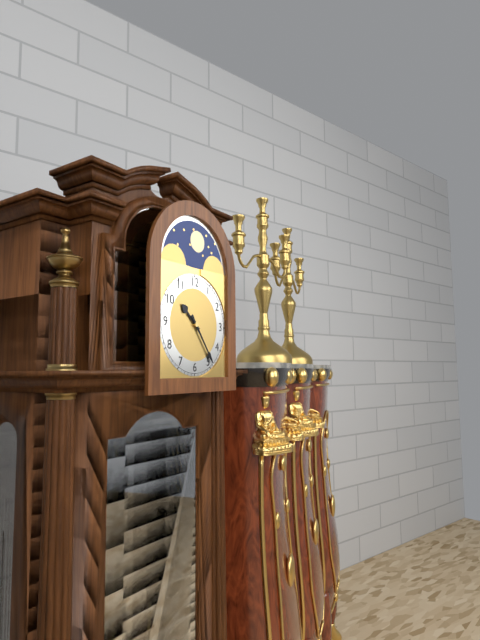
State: 10:24
